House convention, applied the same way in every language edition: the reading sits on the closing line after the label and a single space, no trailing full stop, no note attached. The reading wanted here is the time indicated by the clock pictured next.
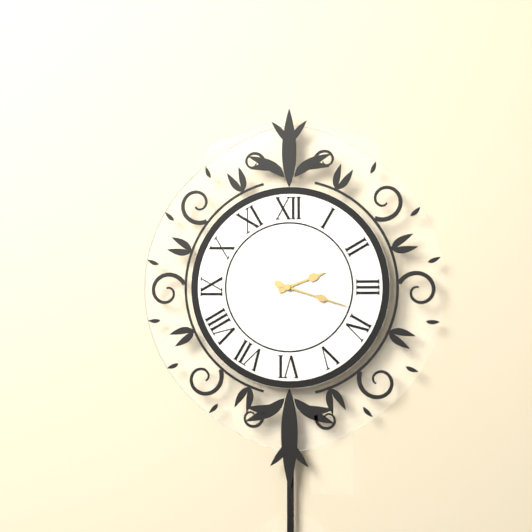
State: 2:18
